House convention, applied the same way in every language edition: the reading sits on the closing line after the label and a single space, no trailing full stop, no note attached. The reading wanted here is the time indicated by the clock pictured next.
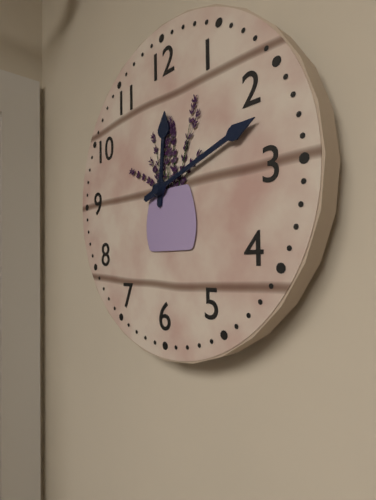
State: 12:12
